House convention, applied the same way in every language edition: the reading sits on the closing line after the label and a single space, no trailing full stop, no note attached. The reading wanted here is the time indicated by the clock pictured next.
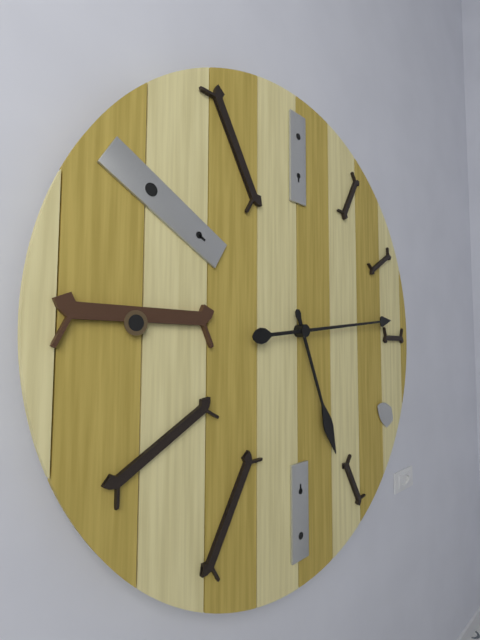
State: 5:14
